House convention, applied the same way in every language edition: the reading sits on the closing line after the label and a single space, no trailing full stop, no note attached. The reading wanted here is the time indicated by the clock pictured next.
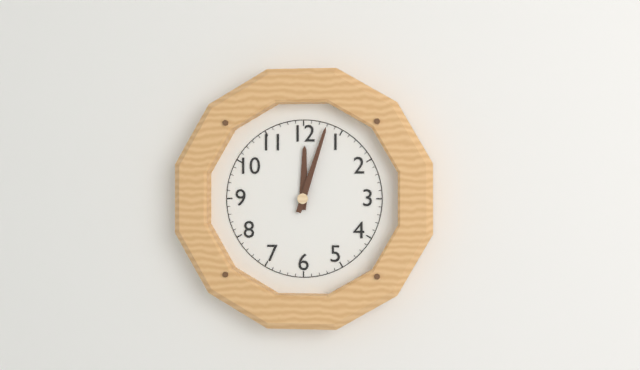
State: 12:03
